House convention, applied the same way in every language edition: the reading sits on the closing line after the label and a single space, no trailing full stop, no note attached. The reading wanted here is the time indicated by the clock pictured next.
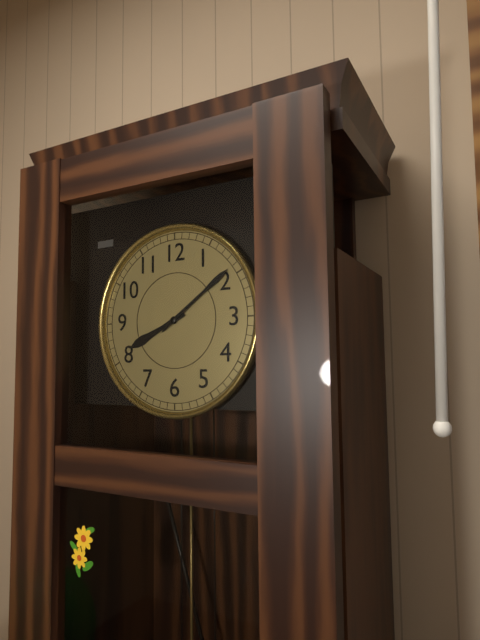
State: 8:09
